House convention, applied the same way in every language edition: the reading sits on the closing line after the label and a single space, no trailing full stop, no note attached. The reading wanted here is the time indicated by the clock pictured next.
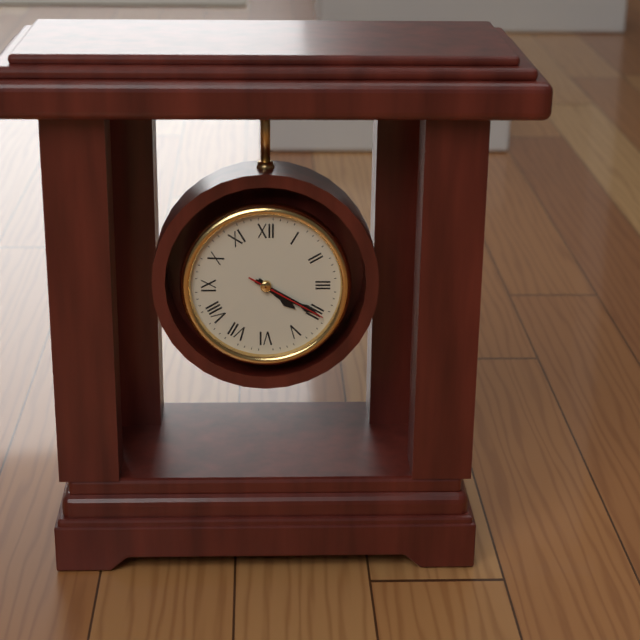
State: 4:20:20
